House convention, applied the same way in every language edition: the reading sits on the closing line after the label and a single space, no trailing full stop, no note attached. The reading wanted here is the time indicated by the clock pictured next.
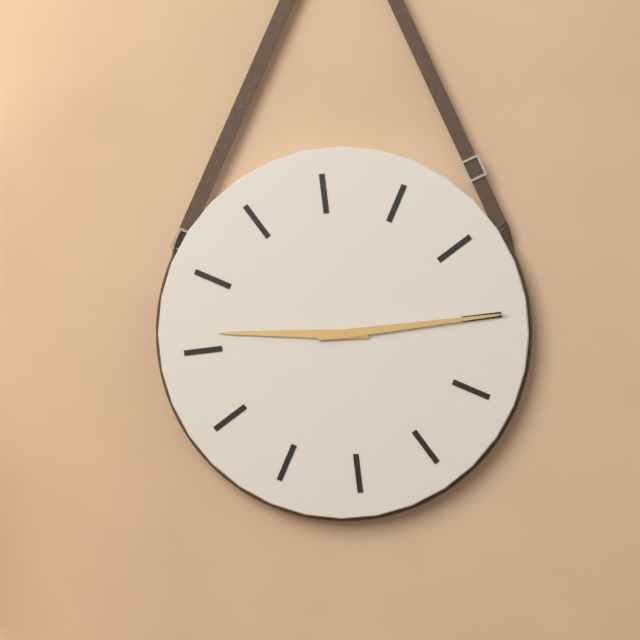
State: 9:15
